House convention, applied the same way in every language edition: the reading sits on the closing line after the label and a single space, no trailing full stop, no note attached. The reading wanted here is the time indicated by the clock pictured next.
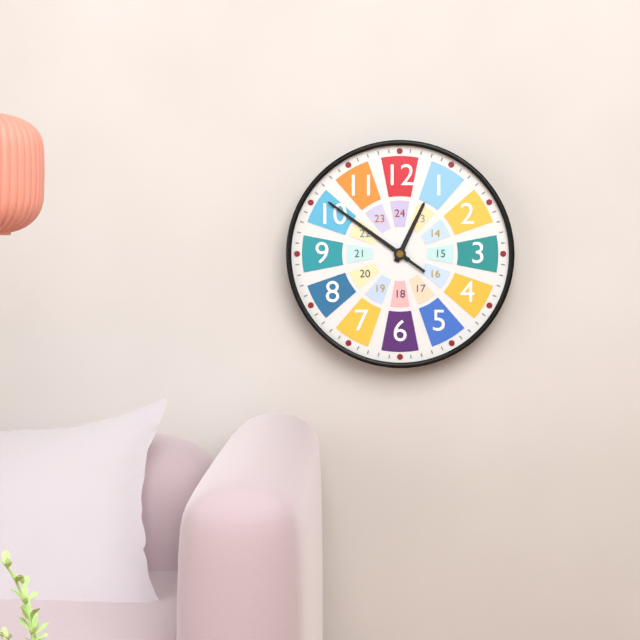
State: 12:51:51
